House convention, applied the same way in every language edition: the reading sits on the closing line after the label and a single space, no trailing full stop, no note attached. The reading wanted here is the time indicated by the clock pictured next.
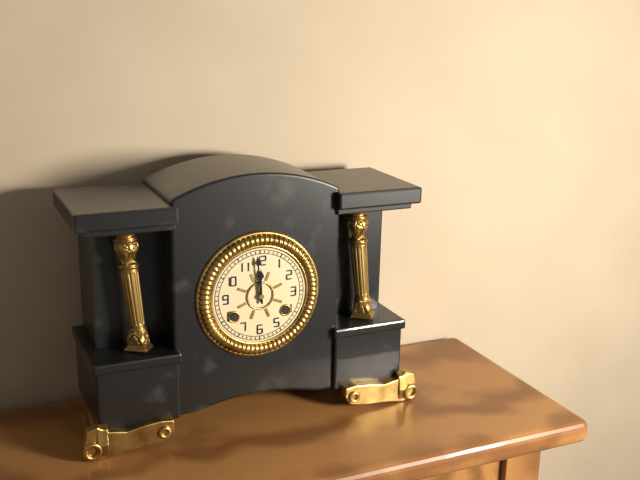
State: 11:59
